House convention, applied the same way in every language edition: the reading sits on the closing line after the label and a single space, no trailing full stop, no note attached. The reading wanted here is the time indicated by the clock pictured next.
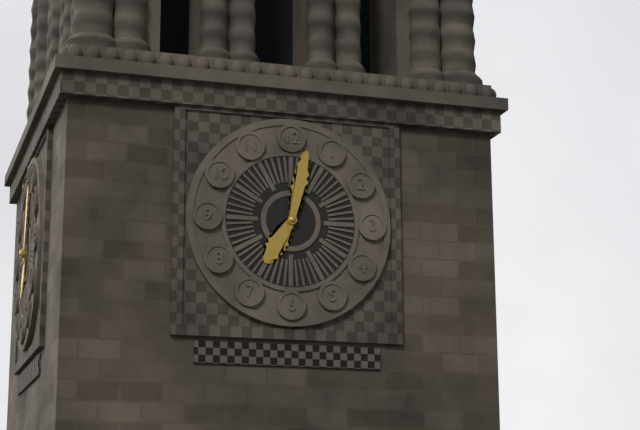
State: 7:02
